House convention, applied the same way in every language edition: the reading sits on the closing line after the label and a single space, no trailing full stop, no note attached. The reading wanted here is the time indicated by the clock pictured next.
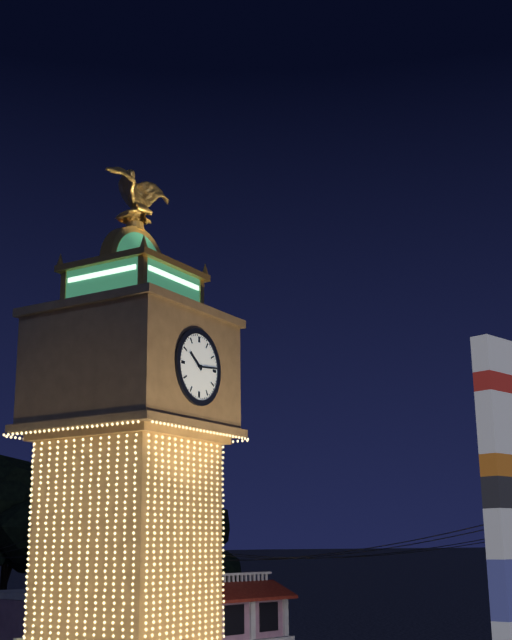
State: 10:14
